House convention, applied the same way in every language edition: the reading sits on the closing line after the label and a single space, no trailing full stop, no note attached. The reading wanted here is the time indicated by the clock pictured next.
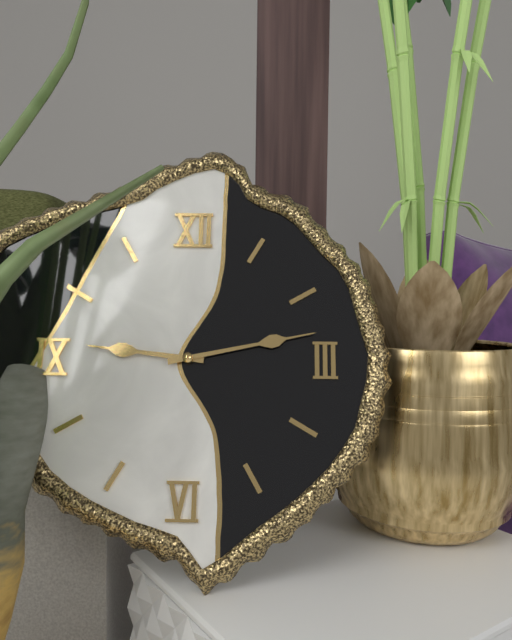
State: 9:13
